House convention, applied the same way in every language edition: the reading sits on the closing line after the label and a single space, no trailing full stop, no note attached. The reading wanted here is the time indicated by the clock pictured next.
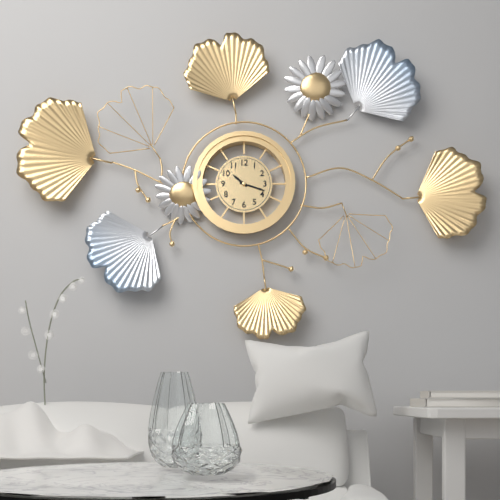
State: 10:18
